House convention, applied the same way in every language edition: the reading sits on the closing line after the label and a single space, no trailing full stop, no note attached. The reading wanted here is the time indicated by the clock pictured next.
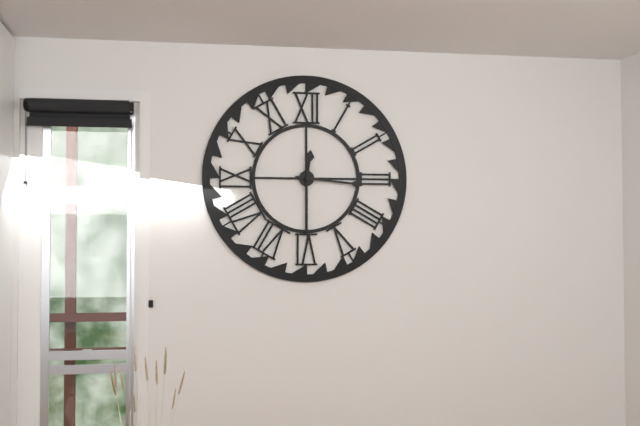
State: 12:16:30
